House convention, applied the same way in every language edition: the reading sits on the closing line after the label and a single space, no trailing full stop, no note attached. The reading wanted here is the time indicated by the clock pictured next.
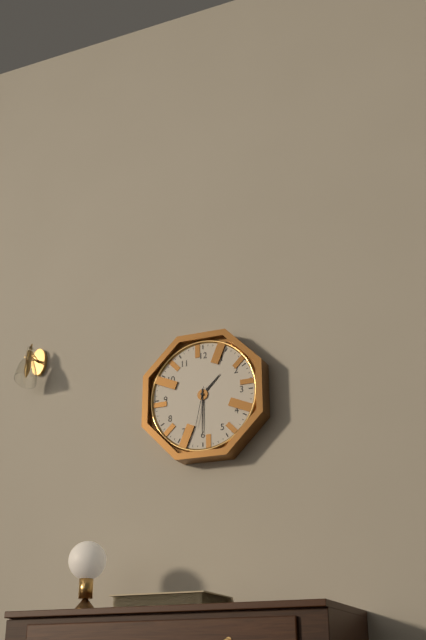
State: 1:30
